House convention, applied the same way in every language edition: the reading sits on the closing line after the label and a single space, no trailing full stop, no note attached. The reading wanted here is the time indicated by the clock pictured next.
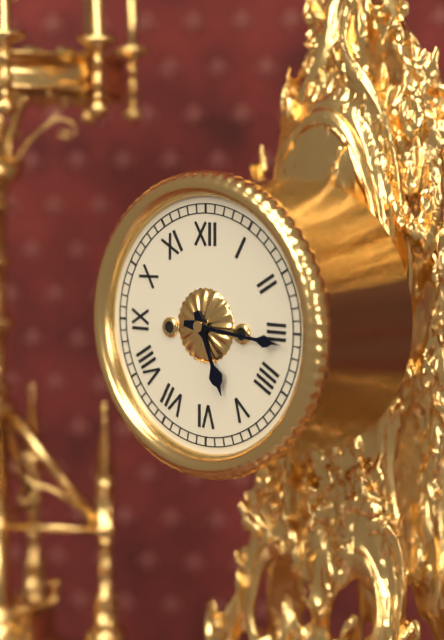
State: 5:16
